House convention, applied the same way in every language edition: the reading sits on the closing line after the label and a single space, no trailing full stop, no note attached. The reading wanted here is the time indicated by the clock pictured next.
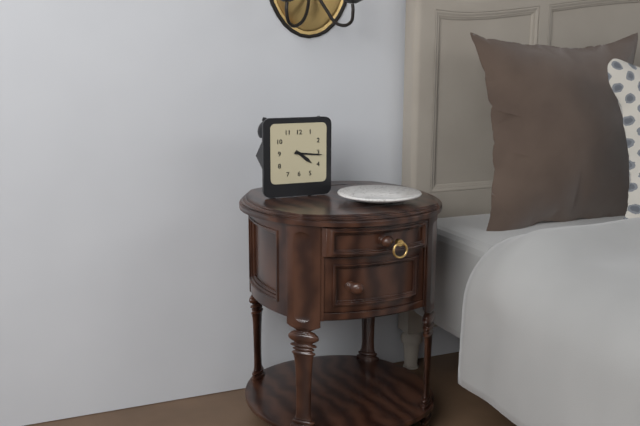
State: 4:16
